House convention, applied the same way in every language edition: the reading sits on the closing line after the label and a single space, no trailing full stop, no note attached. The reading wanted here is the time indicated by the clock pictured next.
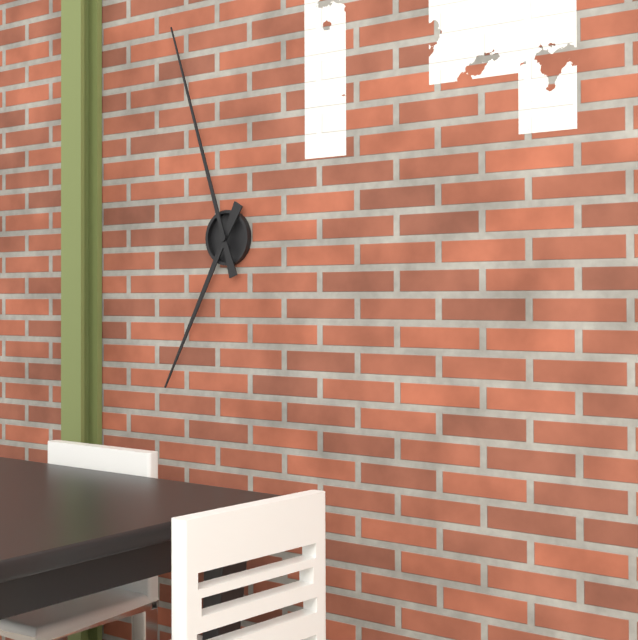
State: 6:57
